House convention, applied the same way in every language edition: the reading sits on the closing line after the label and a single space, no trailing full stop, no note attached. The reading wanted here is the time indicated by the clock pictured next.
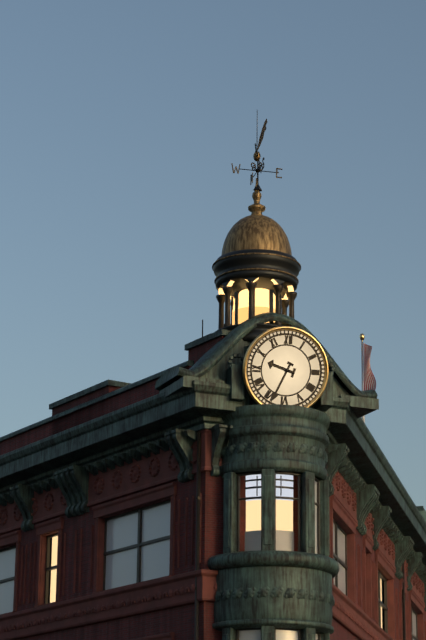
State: 9:34
